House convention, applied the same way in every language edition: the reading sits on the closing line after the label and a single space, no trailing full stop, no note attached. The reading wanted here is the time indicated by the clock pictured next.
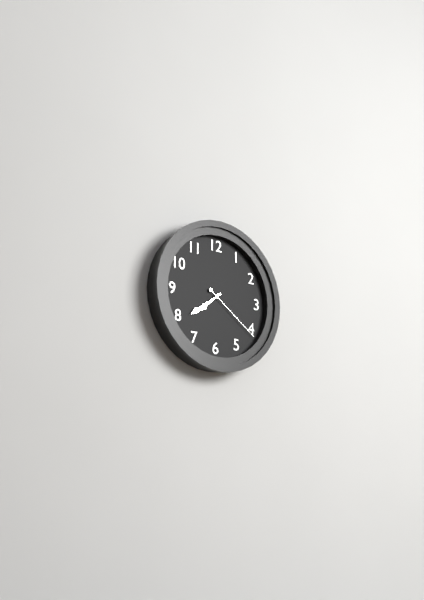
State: 7:39:21
